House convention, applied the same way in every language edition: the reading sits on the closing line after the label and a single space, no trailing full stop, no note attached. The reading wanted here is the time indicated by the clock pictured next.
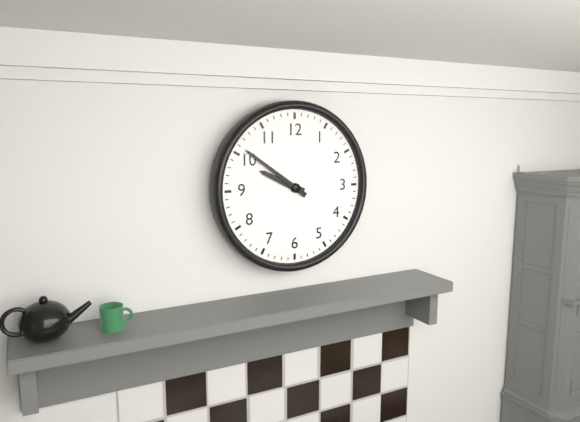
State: 9:51
